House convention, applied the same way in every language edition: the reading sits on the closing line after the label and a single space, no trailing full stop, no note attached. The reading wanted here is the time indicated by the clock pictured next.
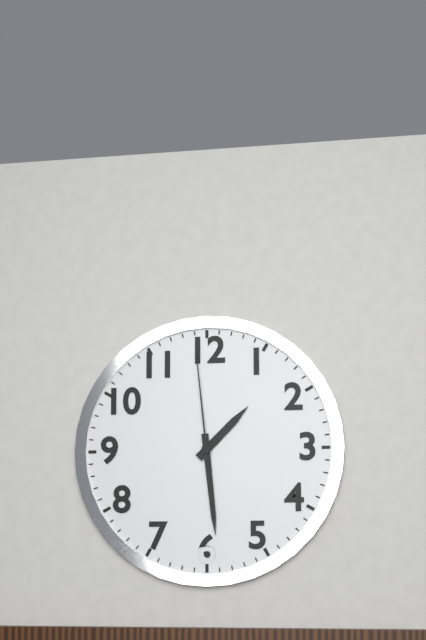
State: 1:29:59
